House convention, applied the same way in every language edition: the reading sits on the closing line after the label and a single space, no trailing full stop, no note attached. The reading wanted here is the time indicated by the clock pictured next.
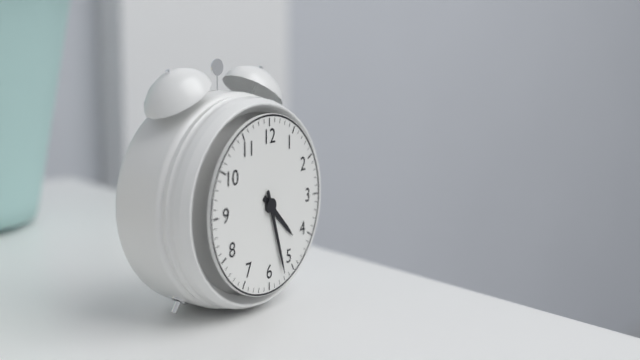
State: 4:27
